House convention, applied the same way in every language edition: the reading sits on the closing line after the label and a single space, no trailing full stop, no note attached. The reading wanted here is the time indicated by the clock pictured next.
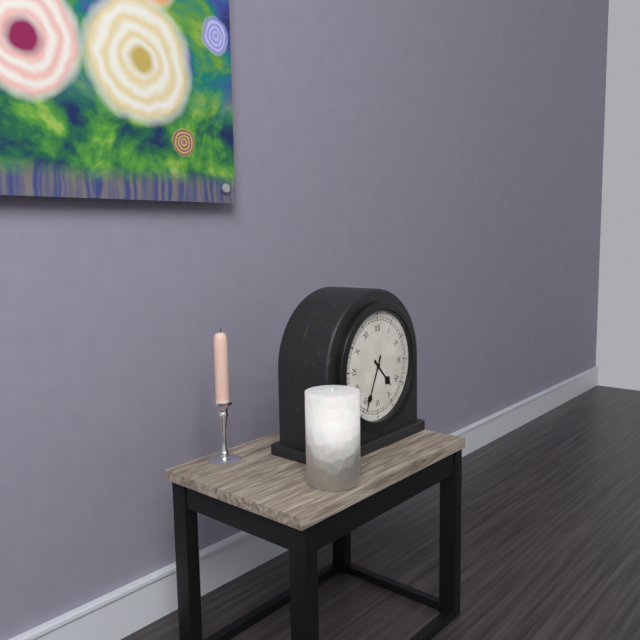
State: 4:34
